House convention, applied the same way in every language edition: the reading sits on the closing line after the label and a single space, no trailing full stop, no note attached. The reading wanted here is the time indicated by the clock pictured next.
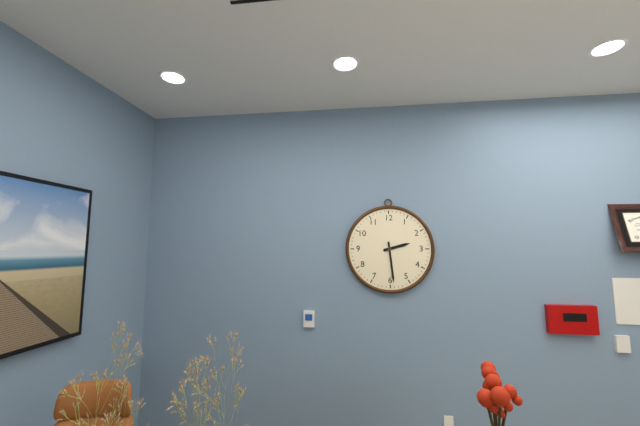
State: 2:29
